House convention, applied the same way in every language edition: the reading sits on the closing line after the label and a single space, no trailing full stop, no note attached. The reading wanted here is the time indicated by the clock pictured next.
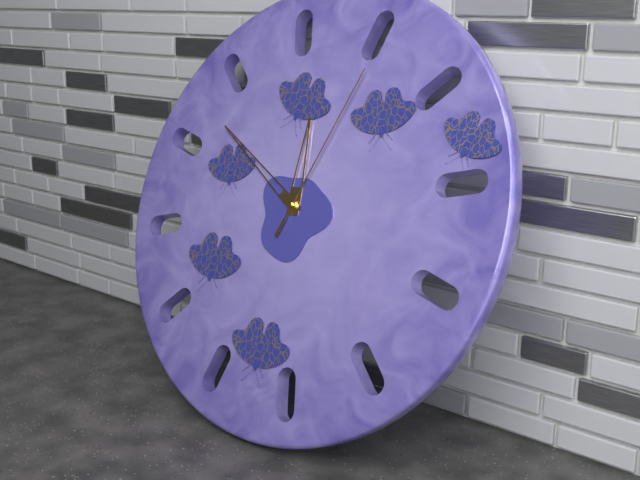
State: 11:50:03
